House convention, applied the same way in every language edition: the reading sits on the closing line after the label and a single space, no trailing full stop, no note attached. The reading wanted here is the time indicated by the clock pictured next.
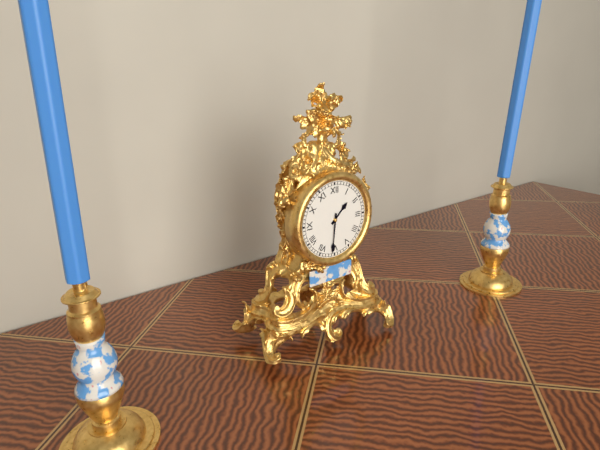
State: 1:31
